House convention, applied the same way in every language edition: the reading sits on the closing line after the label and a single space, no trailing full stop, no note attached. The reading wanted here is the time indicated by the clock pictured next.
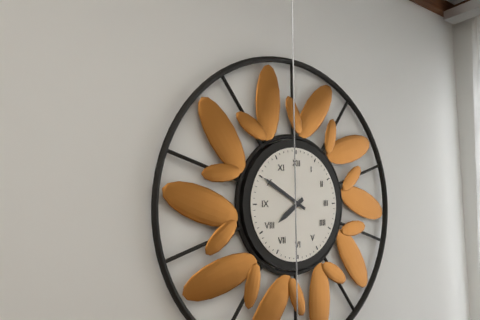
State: 7:50
